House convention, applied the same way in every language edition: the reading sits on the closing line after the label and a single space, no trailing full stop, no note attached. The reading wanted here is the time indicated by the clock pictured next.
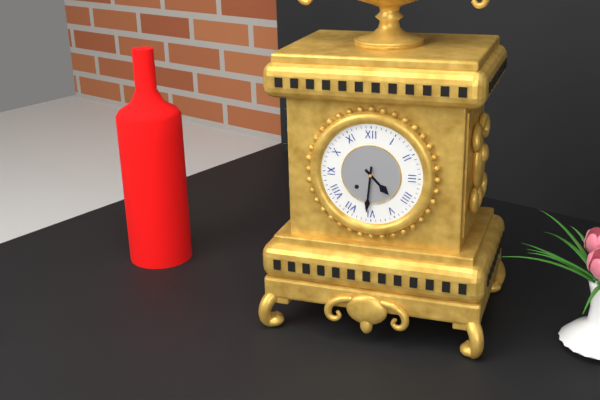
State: 4:31
